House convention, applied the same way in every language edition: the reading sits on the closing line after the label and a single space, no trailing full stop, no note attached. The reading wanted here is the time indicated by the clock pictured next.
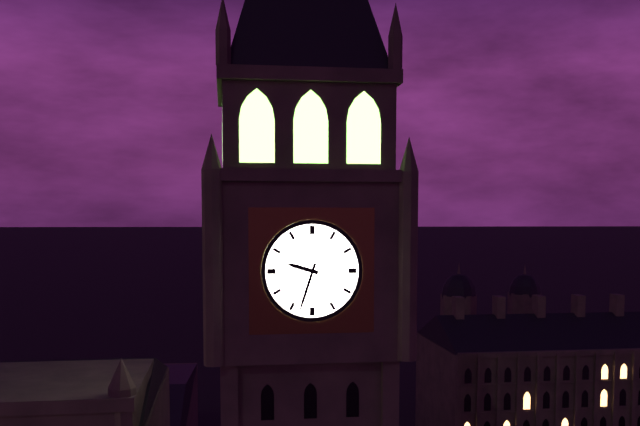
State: 9:33
